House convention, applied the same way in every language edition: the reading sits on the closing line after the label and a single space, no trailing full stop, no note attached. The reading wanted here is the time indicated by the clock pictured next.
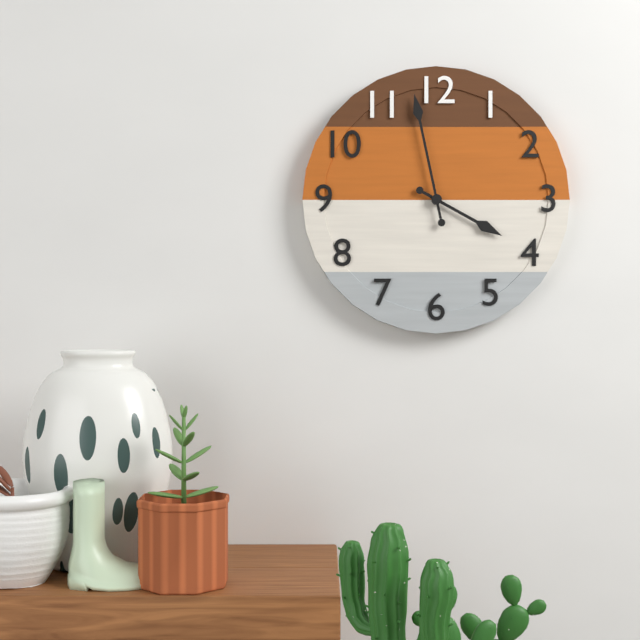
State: 3:58
